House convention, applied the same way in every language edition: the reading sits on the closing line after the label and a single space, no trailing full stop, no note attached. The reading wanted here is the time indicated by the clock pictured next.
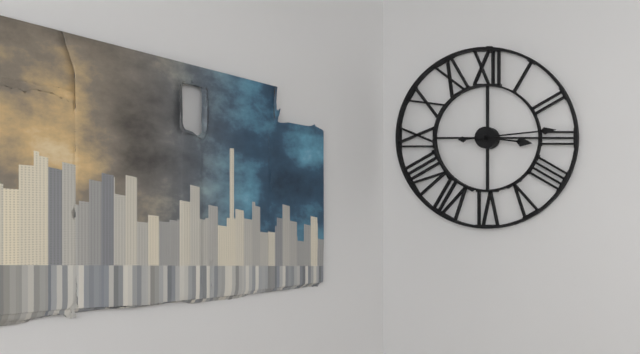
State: 3:14
